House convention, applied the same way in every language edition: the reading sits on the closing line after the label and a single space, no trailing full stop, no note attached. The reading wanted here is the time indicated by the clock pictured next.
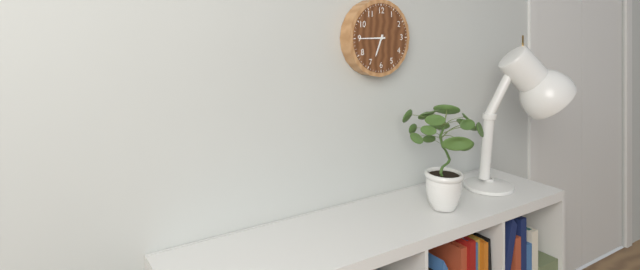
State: 6:45
